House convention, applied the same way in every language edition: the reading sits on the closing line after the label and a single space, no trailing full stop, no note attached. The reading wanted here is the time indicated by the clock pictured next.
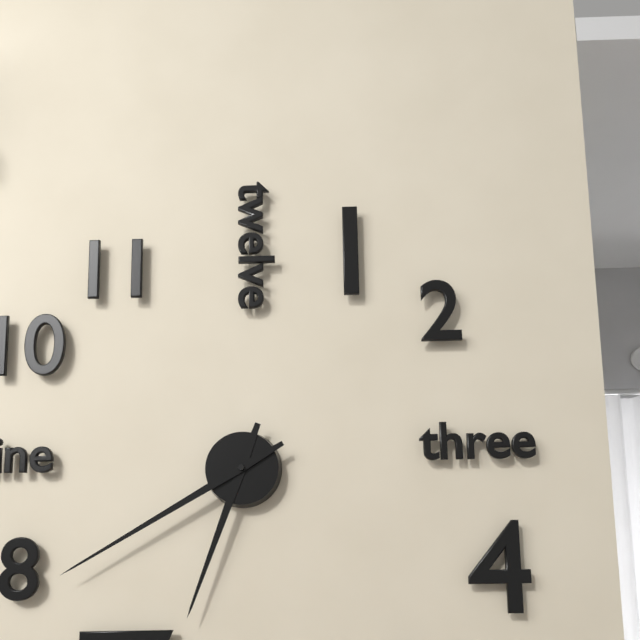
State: 6:40
